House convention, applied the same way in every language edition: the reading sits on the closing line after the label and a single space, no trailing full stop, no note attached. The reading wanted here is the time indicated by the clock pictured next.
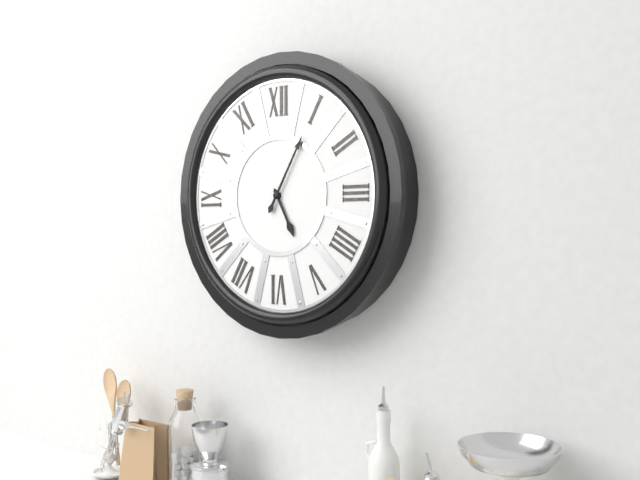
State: 5:05
